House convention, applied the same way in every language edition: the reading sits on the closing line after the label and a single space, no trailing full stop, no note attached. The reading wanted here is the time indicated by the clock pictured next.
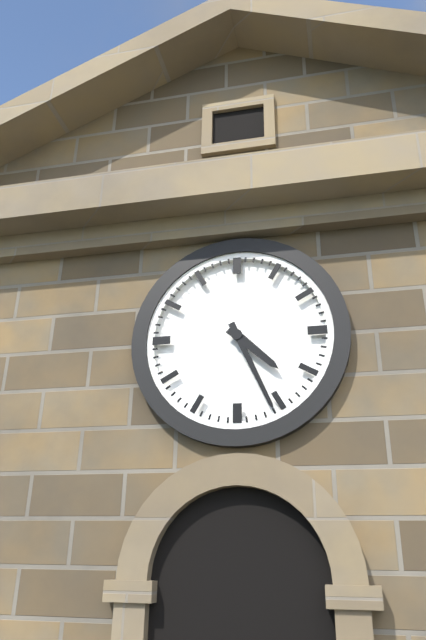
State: 4:26
